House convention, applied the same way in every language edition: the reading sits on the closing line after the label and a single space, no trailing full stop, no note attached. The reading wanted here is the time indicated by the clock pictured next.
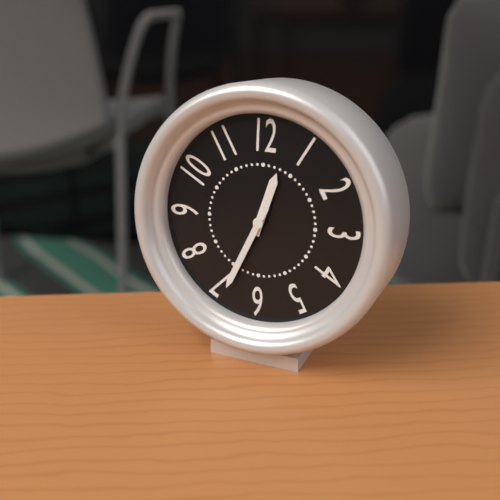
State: 12:34
